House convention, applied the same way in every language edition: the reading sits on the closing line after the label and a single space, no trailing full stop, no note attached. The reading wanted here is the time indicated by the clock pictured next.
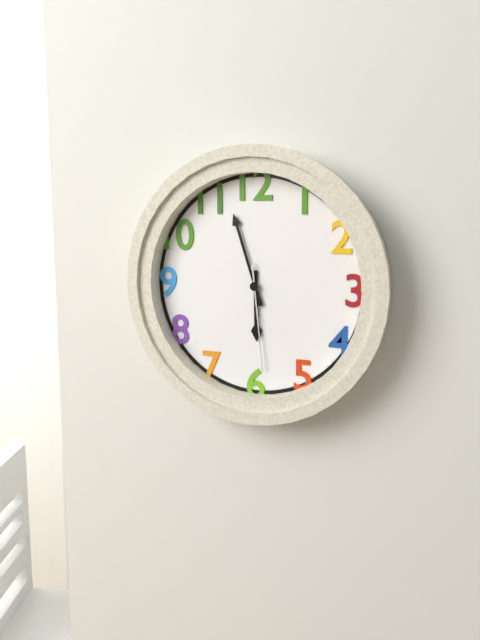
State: 5:57:29
